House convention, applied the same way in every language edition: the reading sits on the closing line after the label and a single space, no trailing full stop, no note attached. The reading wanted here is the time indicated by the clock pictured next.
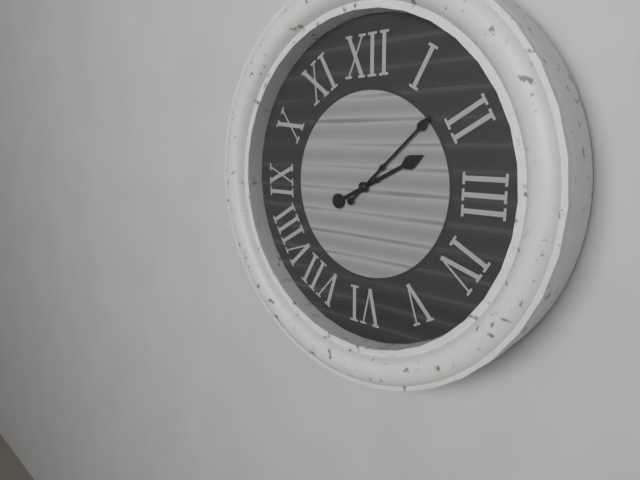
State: 2:08
